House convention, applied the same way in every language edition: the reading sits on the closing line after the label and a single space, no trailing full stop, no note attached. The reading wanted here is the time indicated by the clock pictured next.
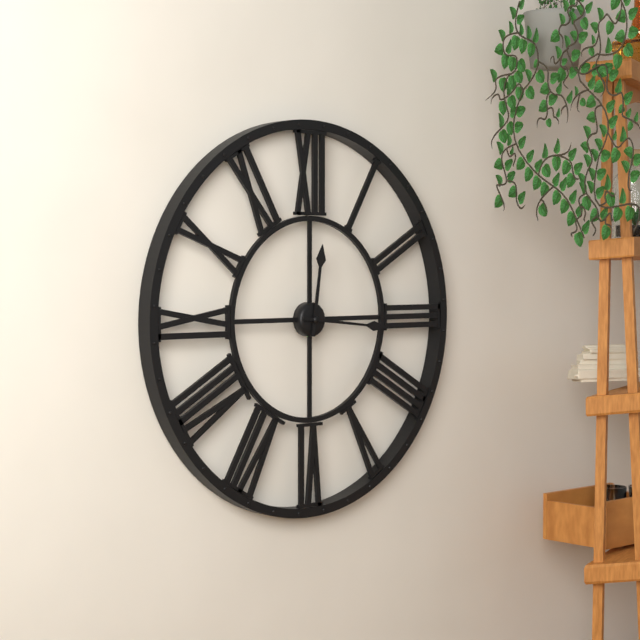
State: 12:16
